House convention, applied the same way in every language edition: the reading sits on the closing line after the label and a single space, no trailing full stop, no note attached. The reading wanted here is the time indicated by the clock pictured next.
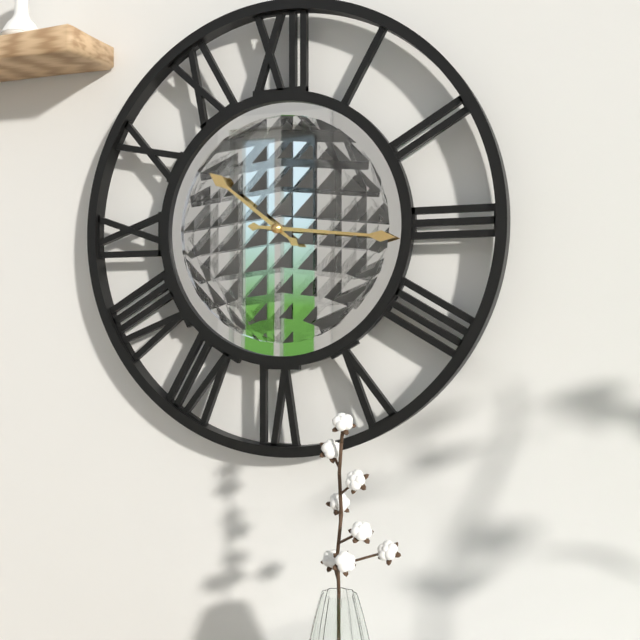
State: 10:16
